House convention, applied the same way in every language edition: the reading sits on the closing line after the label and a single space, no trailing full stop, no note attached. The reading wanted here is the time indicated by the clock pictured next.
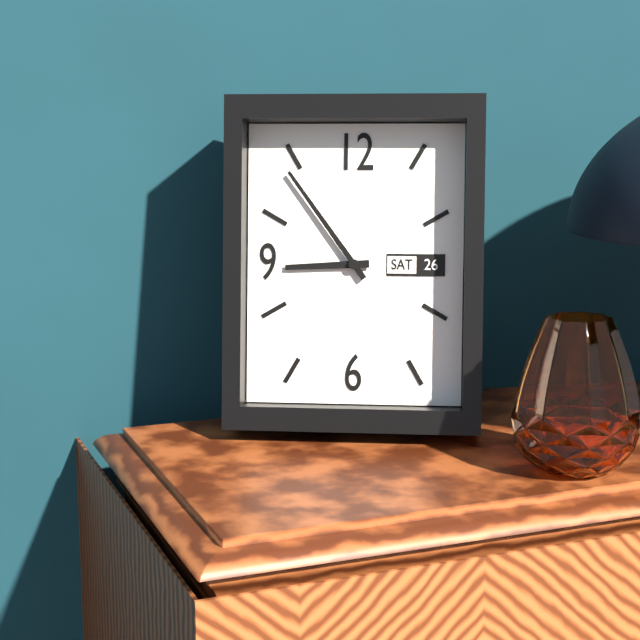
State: 8:54
